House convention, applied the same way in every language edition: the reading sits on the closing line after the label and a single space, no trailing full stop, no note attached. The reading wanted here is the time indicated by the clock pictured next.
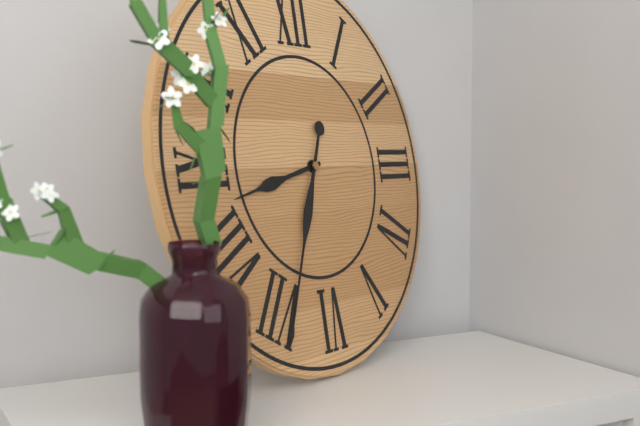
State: 8:34
